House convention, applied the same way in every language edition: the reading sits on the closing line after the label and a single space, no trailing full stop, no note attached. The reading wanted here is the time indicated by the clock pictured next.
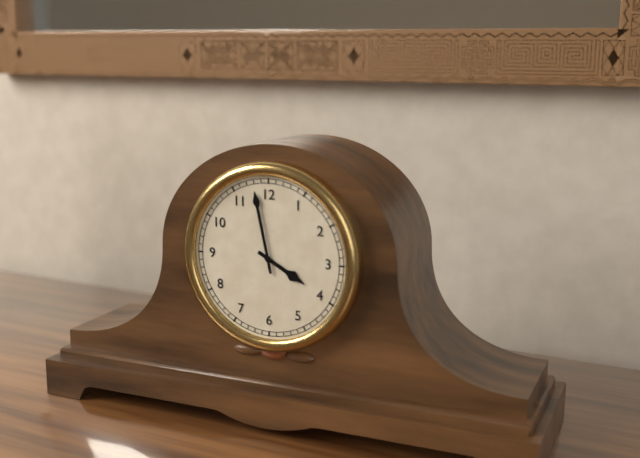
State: 3:58
